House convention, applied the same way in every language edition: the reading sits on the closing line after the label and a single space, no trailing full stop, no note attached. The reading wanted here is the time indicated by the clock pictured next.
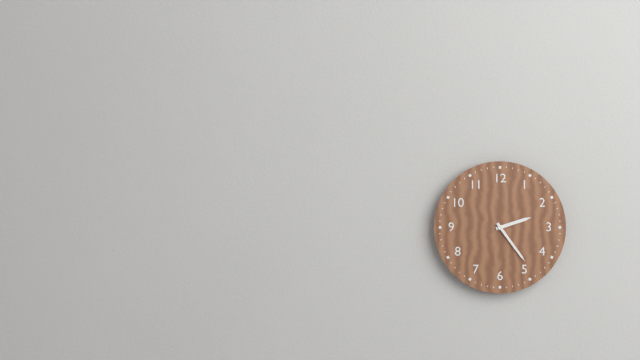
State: 2:24
